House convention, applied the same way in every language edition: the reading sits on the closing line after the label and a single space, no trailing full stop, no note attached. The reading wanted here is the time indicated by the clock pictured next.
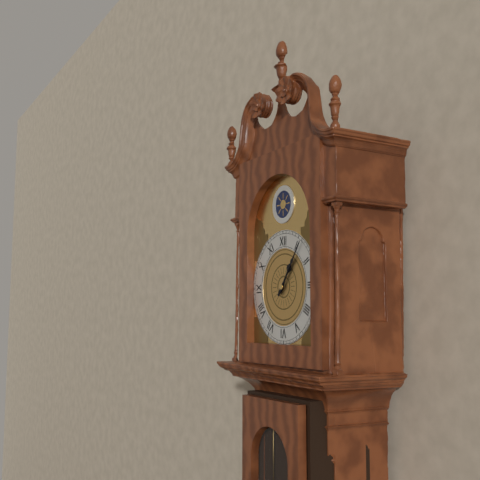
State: 1:06
